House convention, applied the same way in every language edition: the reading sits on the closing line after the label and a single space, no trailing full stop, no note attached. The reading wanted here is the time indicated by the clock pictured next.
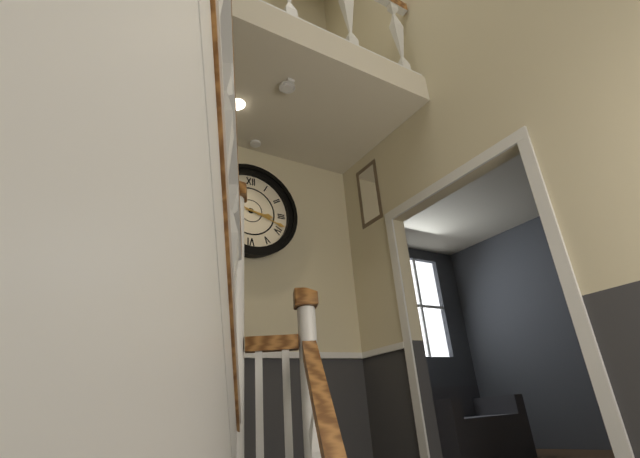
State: 3:18
